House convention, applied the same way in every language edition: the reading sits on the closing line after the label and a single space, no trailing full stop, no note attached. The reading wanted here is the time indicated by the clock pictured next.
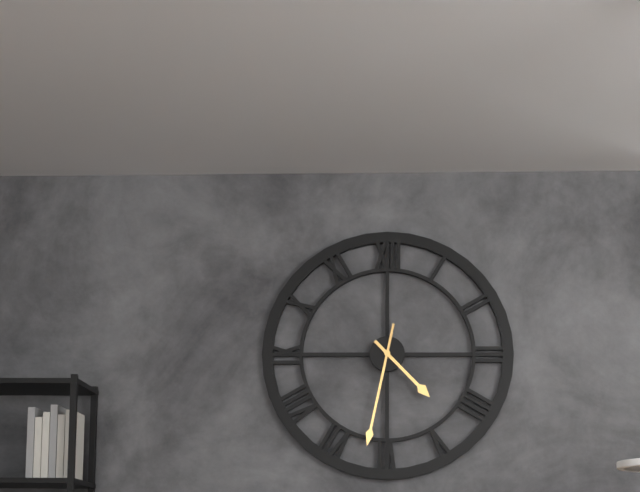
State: 4:32
